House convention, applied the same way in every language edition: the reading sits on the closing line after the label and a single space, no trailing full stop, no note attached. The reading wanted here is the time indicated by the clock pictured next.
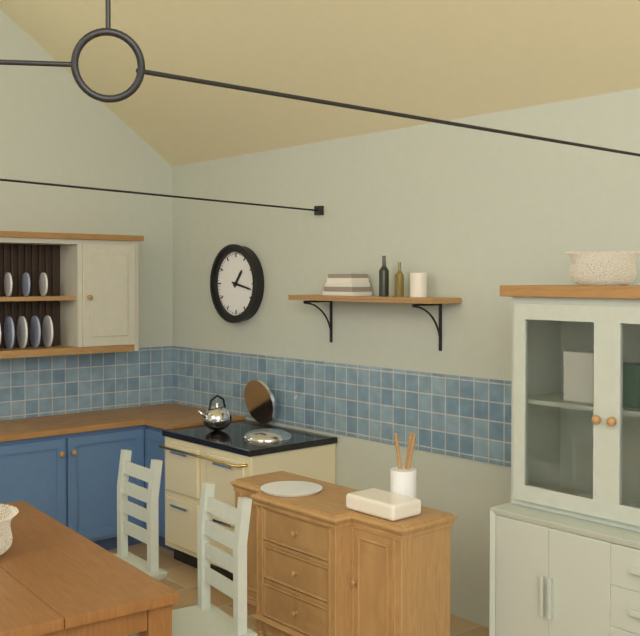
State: 1:17
